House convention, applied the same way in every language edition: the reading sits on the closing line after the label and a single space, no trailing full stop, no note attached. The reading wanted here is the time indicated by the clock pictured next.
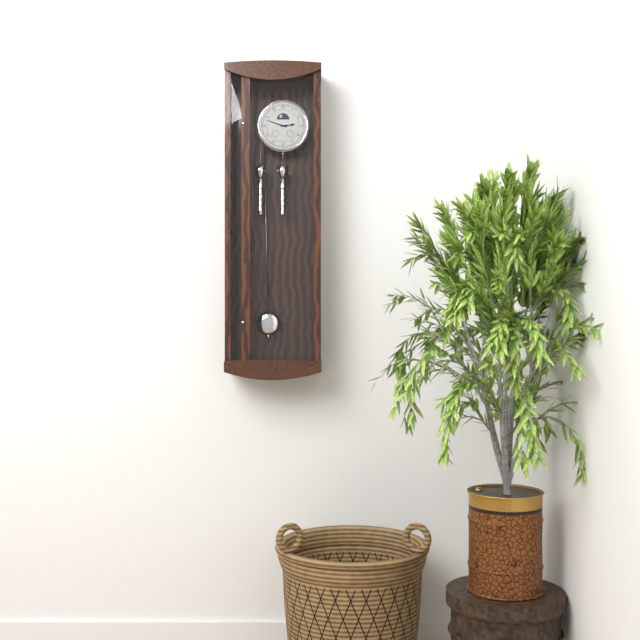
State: 2:48
